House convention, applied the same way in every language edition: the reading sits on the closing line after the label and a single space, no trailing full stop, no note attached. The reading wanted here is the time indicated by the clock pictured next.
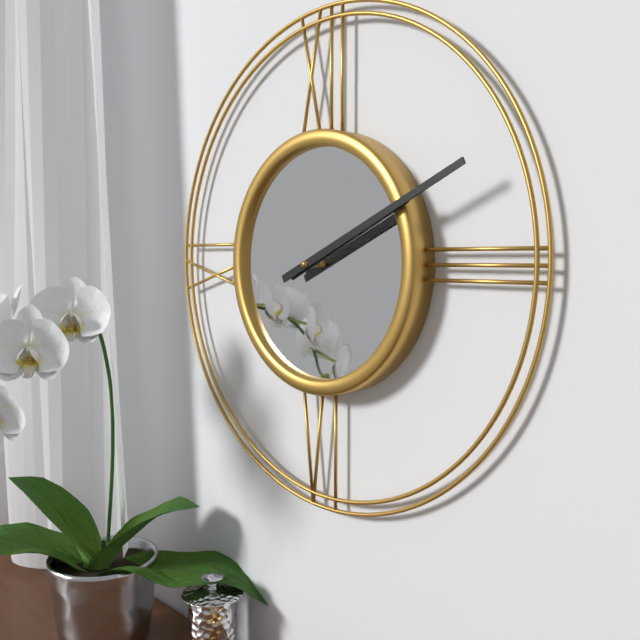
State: 2:11
